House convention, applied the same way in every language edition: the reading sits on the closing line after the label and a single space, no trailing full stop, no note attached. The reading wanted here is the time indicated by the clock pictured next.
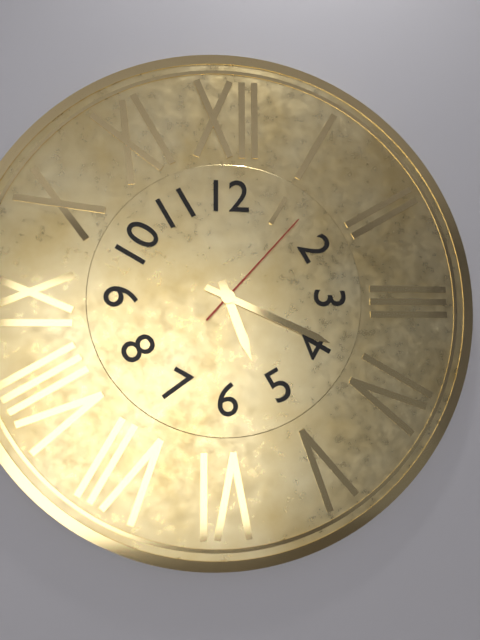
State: 5:19:07
